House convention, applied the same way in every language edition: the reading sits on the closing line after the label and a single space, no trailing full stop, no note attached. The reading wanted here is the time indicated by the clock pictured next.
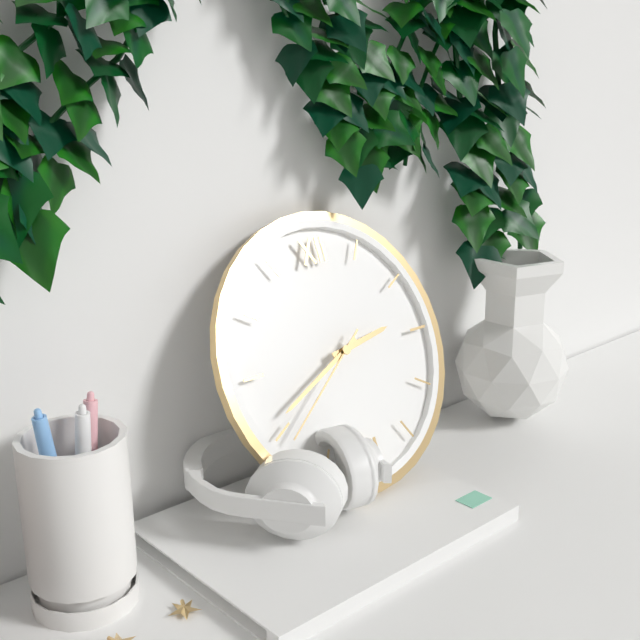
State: 2:41:39
